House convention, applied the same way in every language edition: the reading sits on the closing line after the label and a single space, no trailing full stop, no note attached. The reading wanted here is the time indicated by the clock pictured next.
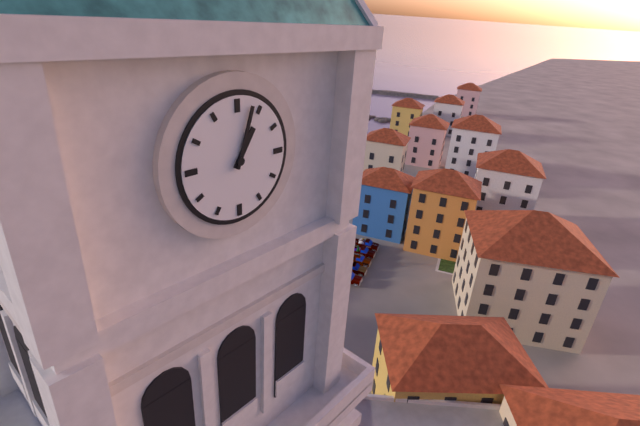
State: 1:03
